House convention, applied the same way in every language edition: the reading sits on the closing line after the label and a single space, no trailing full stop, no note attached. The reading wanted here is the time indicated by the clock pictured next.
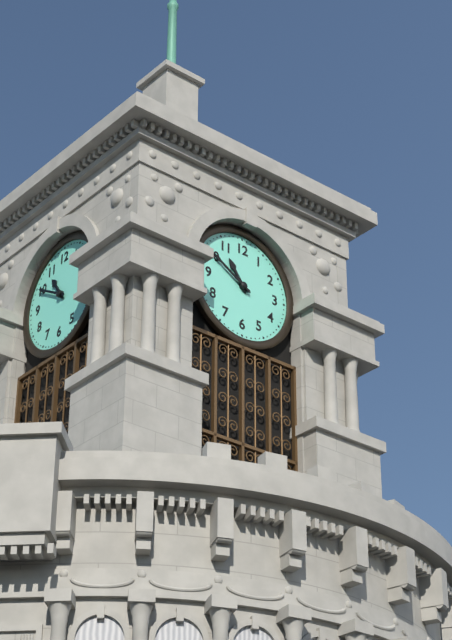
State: 10:50
